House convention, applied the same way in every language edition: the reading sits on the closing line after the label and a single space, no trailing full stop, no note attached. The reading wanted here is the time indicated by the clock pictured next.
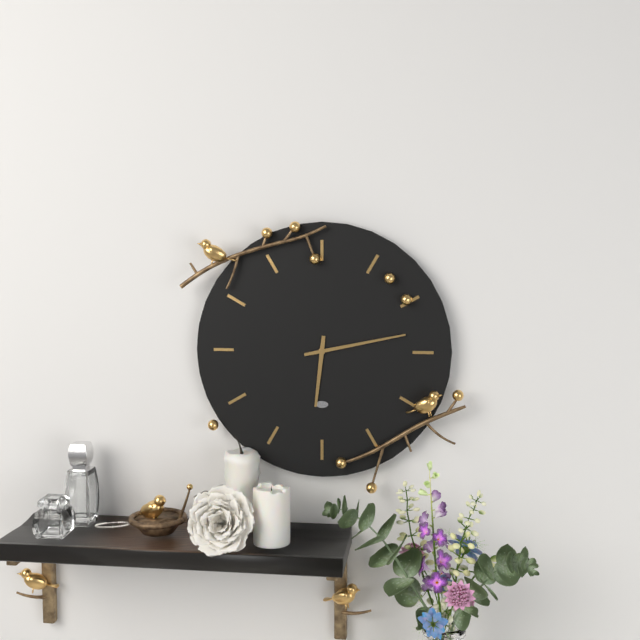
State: 6:13
